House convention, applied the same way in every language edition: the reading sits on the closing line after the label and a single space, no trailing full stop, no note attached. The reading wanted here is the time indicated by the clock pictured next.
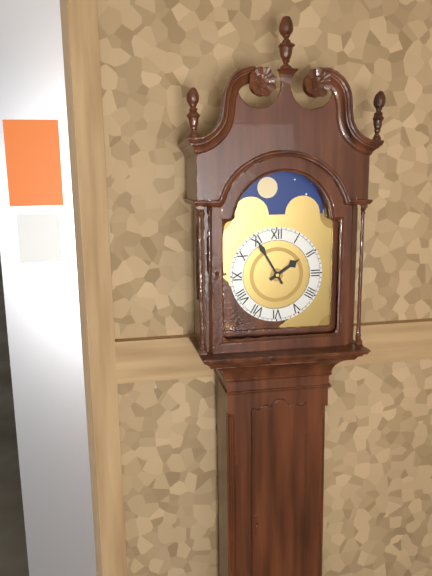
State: 1:55
